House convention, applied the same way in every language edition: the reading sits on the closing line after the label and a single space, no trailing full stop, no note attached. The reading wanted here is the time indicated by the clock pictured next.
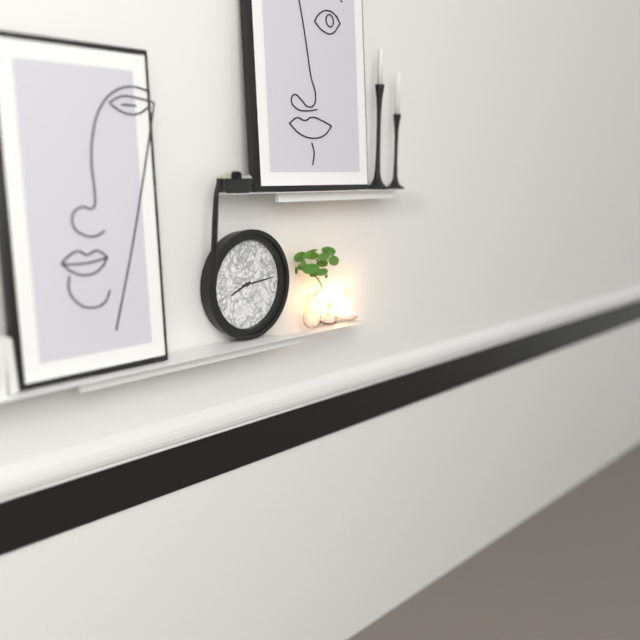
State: 8:14
